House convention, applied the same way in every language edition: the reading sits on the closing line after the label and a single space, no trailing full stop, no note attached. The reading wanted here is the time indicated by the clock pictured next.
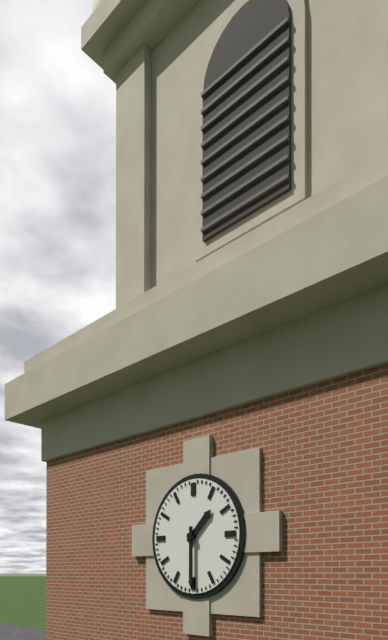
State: 1:30
